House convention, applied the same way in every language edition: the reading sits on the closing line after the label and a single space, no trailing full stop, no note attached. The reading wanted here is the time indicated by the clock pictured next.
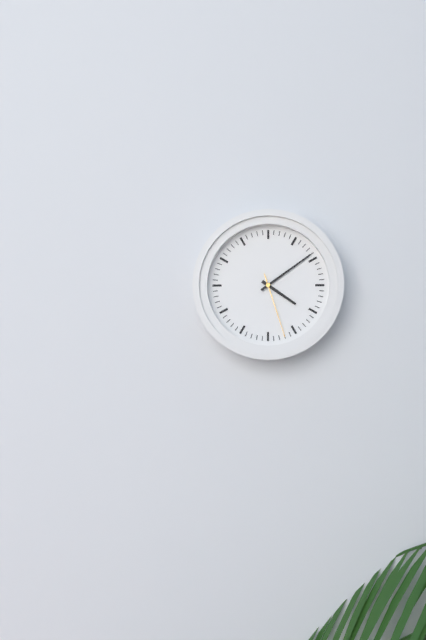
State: 4:09:27
